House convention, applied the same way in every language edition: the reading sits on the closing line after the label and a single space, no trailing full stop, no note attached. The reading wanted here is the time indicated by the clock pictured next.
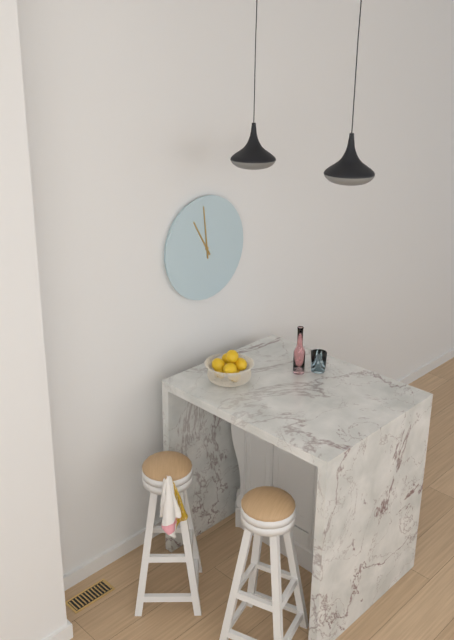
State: 10:59
